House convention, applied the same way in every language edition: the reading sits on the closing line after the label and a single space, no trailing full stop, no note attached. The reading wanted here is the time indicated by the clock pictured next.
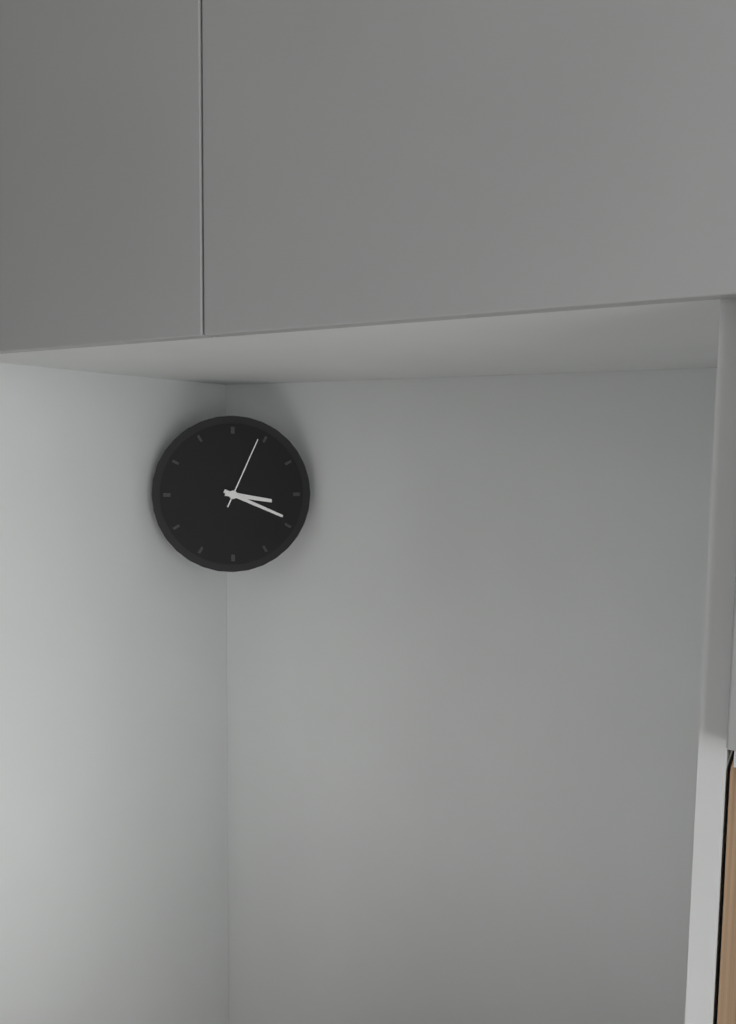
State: 3:19:04
